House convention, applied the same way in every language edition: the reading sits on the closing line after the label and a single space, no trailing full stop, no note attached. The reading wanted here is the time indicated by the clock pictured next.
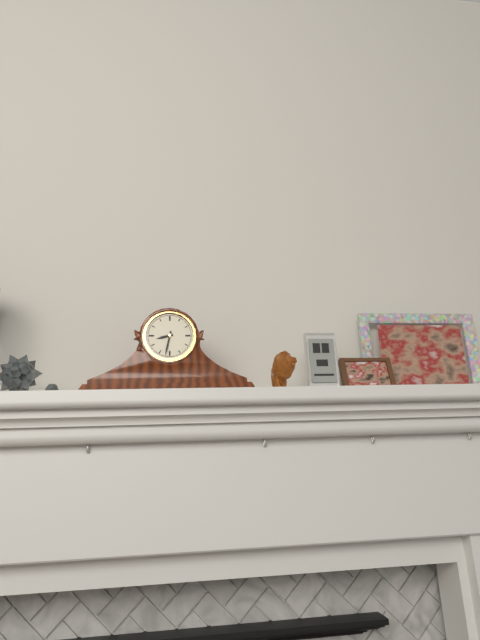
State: 8:32
